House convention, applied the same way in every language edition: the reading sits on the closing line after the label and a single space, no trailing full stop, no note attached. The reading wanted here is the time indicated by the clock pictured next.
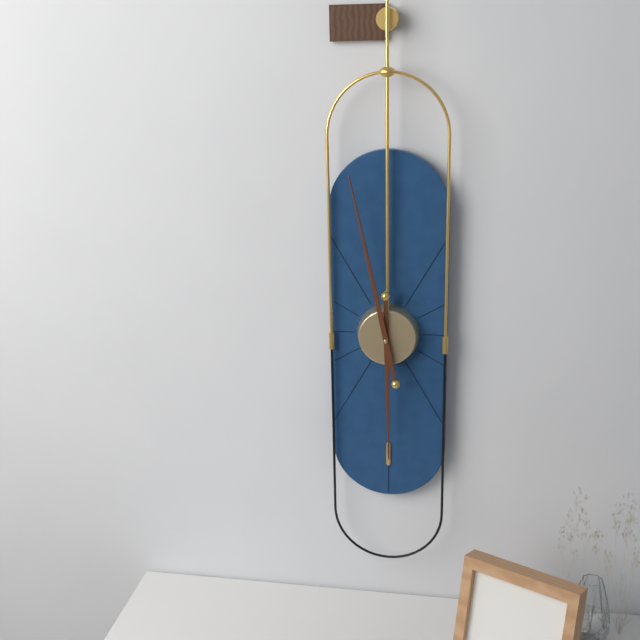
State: 5:58
